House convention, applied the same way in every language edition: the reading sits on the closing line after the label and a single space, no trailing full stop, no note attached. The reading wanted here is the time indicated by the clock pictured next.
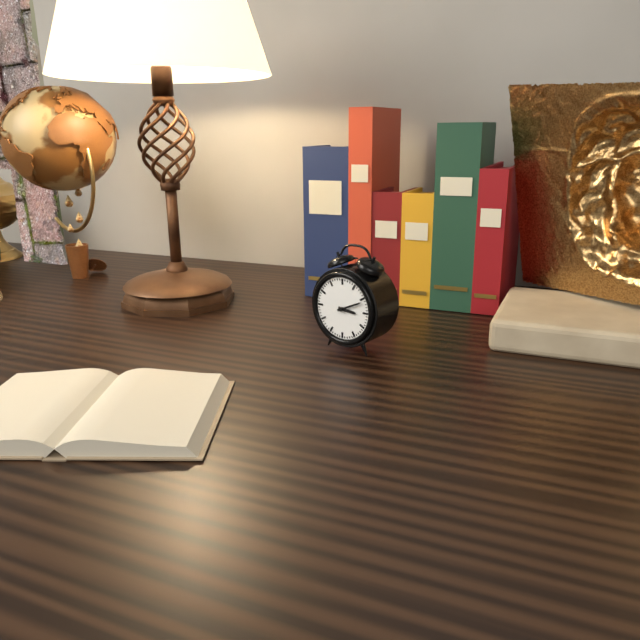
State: 3:11
